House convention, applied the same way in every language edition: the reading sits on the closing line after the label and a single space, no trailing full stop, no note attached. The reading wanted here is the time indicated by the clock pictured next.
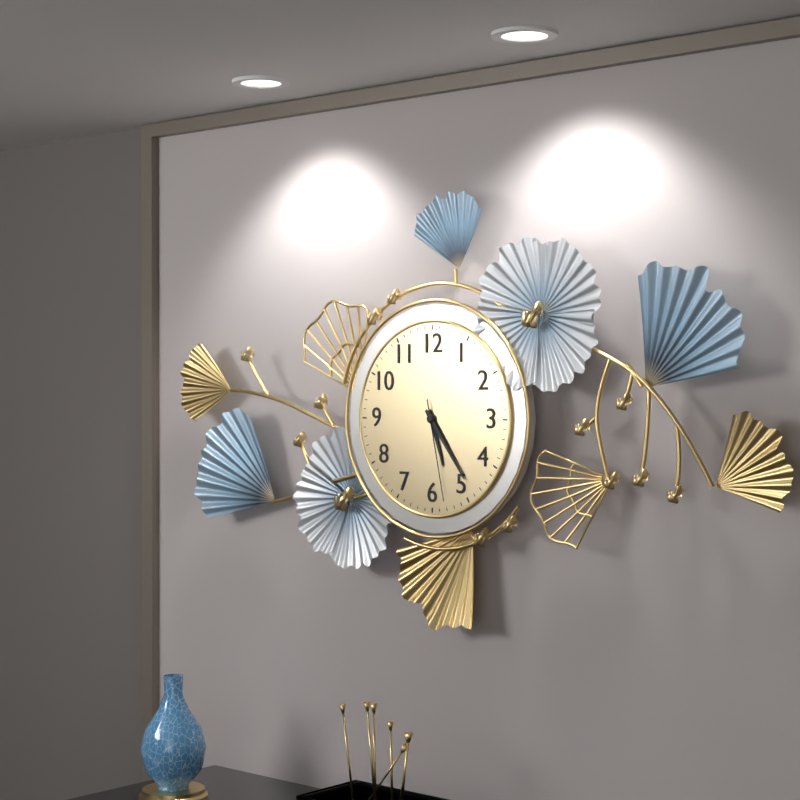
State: 5:24:28
